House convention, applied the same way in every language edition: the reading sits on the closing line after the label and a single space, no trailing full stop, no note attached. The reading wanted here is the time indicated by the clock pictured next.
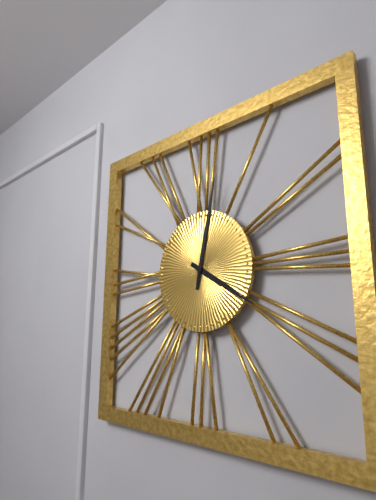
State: 4:02
